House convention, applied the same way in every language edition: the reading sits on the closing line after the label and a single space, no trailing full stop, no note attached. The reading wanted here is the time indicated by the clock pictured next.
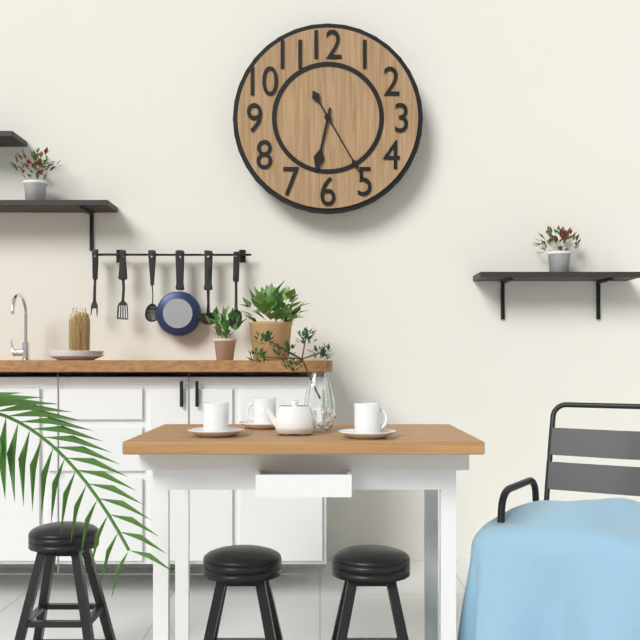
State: 6:25
